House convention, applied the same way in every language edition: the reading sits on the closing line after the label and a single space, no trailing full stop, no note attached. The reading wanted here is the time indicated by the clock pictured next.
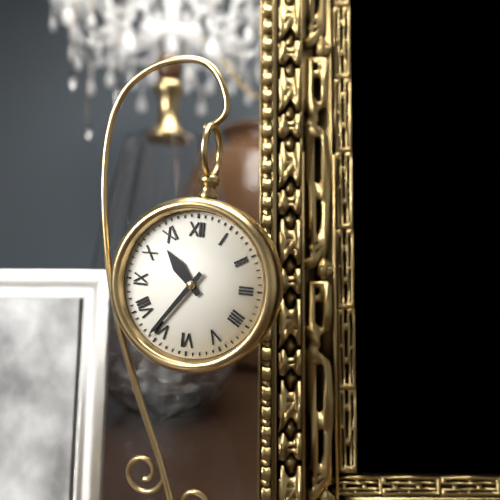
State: 10:36
